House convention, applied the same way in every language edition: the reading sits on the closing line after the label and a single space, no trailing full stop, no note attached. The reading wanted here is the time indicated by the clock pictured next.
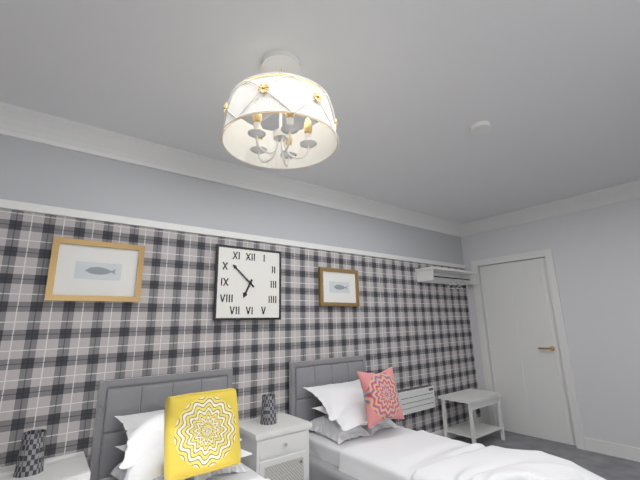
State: 6:52
